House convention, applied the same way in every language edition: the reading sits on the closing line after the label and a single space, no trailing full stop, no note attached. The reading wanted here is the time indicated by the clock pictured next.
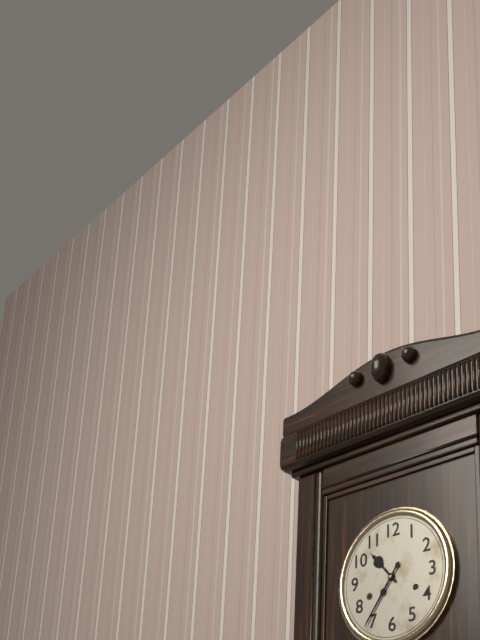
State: 10:36
